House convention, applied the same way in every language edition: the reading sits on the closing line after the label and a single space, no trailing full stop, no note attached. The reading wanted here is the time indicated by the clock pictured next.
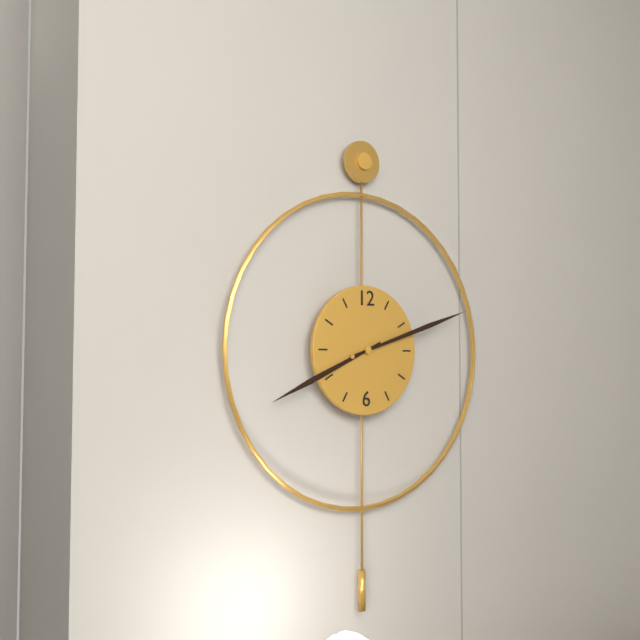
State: 8:12
